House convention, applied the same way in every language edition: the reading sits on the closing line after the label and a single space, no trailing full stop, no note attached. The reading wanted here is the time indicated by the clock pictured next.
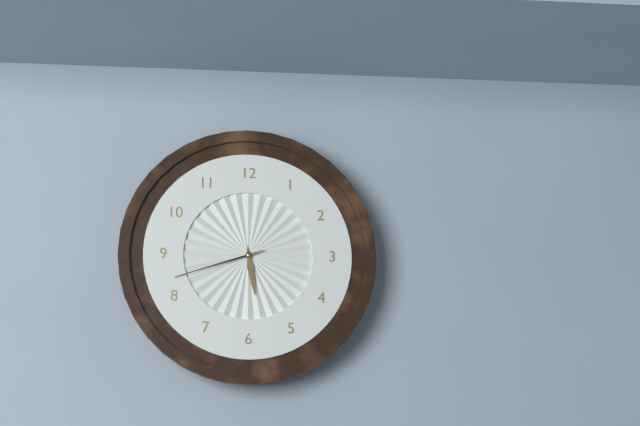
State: 5:42
